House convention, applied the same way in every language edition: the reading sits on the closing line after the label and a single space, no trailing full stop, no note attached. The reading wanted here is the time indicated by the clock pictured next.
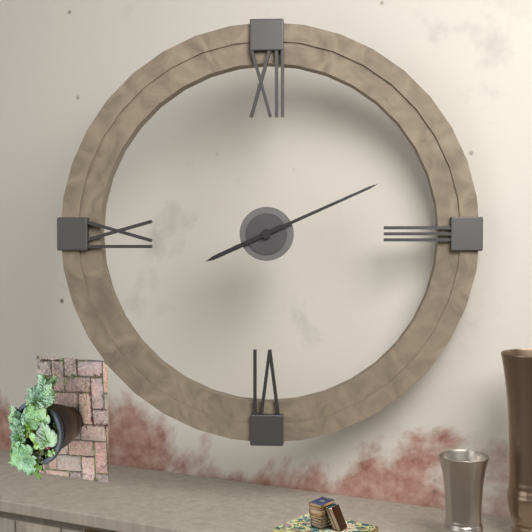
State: 8:11
